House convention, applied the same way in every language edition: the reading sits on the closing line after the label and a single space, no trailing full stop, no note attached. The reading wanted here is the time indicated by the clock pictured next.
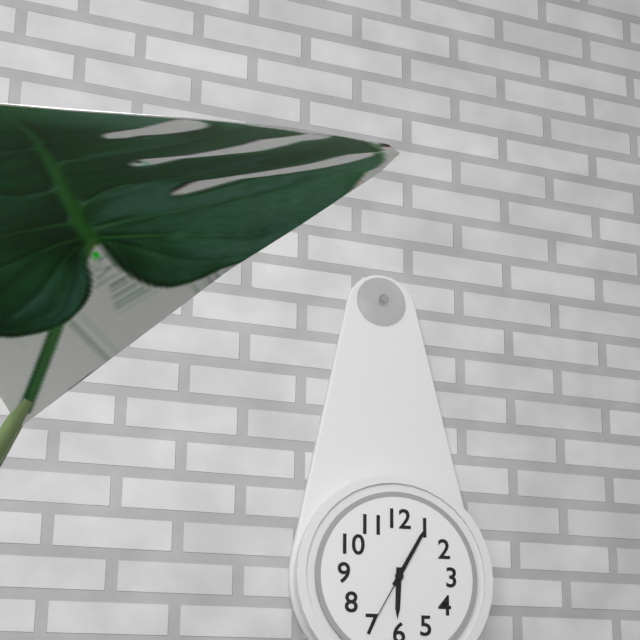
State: 6:05:35
